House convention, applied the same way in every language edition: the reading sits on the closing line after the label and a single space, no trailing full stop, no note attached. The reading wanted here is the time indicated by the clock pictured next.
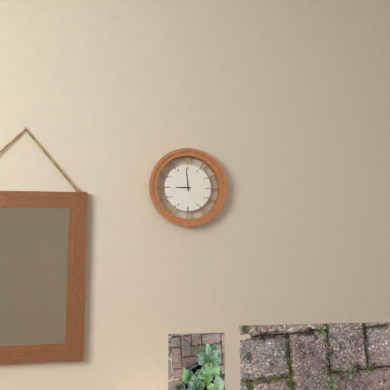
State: 8:59
